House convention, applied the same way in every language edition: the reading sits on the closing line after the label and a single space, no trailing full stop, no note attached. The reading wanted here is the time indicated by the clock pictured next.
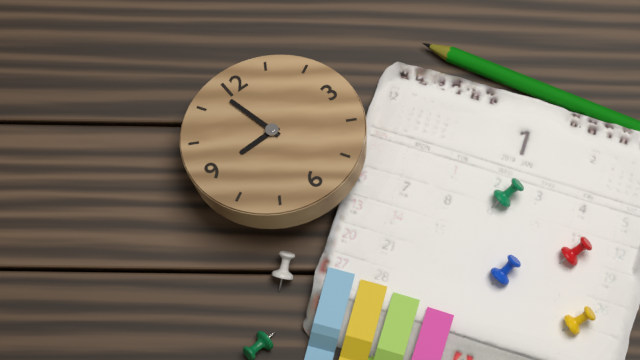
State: 8:58
